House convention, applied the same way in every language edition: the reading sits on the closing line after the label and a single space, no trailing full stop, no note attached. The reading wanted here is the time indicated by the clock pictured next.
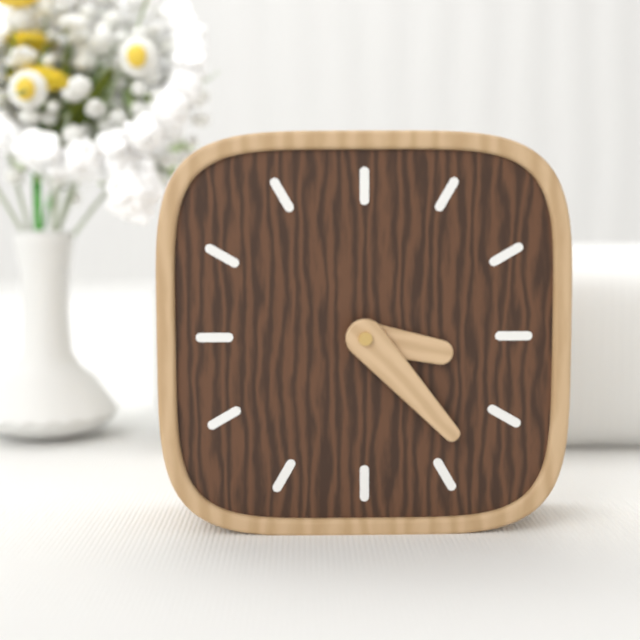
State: 3:23
